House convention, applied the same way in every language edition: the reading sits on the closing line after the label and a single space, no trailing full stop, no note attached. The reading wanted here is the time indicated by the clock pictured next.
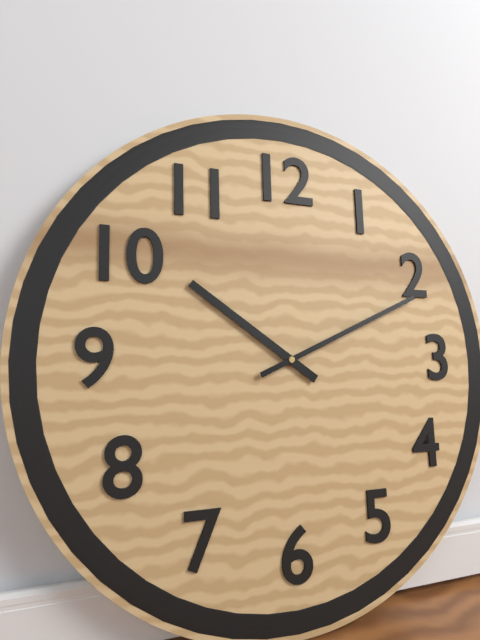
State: 10:11
